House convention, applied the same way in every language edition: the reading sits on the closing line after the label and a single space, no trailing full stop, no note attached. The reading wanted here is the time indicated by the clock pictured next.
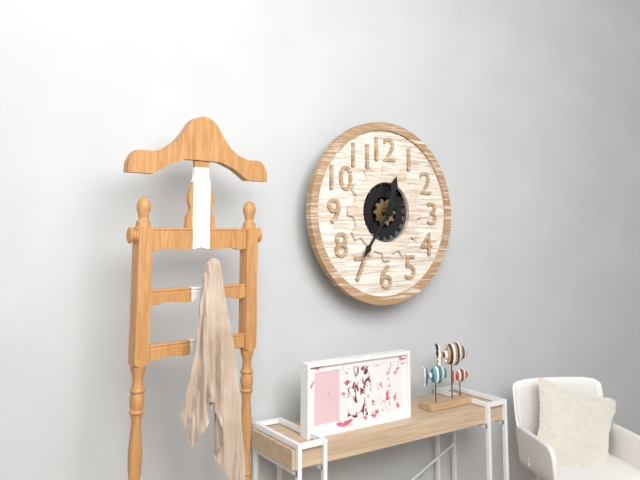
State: 12:36
